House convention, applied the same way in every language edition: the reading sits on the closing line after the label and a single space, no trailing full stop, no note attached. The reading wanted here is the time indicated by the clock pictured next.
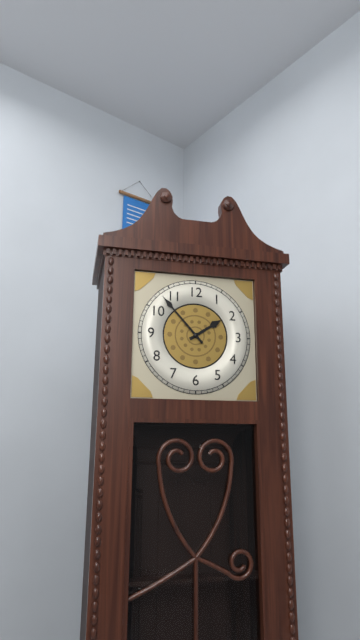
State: 1:53
